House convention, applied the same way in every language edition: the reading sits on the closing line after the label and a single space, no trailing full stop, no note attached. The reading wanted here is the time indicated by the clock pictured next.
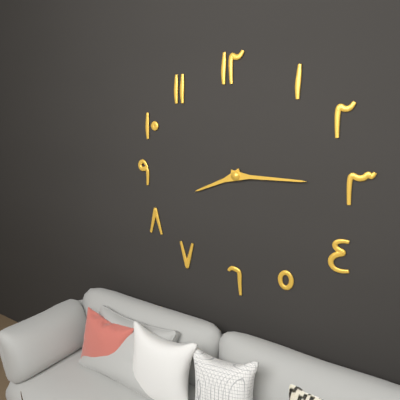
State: 8:15
